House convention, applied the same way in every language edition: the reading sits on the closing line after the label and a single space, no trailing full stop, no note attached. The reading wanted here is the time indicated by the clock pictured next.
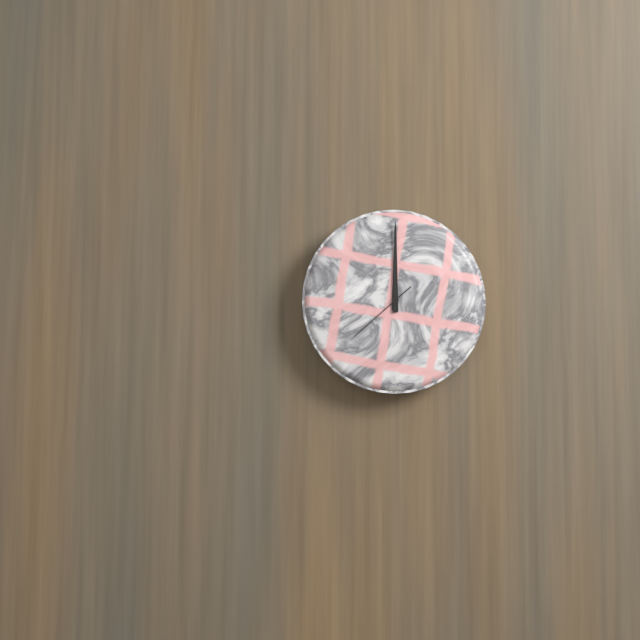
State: 12:00:38
